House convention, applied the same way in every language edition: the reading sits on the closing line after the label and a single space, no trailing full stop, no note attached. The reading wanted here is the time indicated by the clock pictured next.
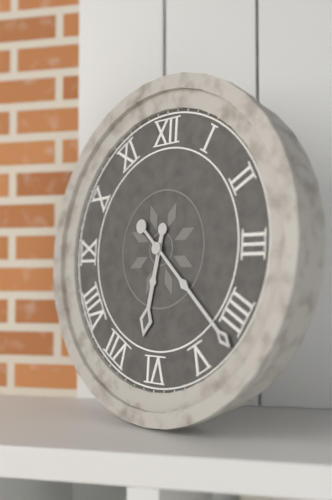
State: 6:22
